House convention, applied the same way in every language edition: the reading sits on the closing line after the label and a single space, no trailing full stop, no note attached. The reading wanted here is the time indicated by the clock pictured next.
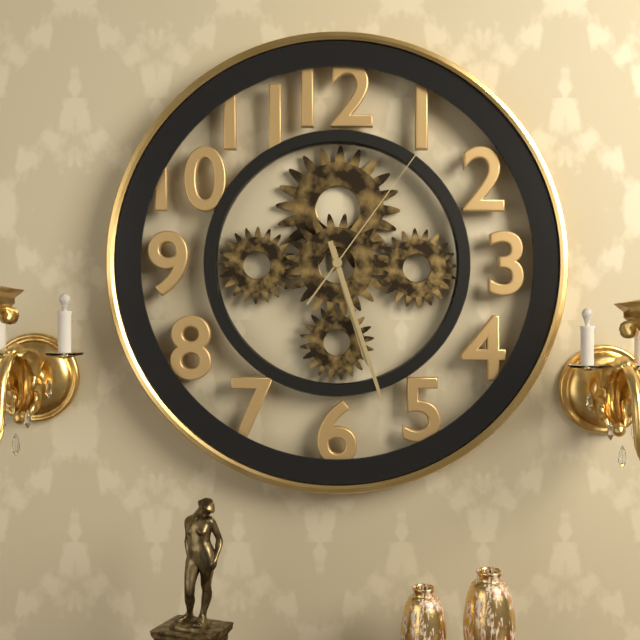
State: 5:27:06
